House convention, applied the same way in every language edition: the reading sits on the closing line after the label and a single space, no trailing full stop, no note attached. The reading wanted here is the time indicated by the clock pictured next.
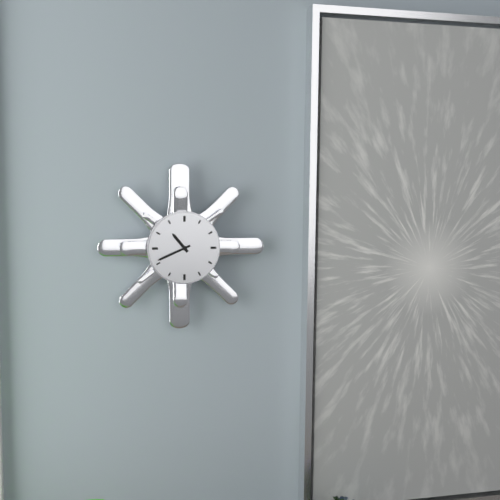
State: 10:41
